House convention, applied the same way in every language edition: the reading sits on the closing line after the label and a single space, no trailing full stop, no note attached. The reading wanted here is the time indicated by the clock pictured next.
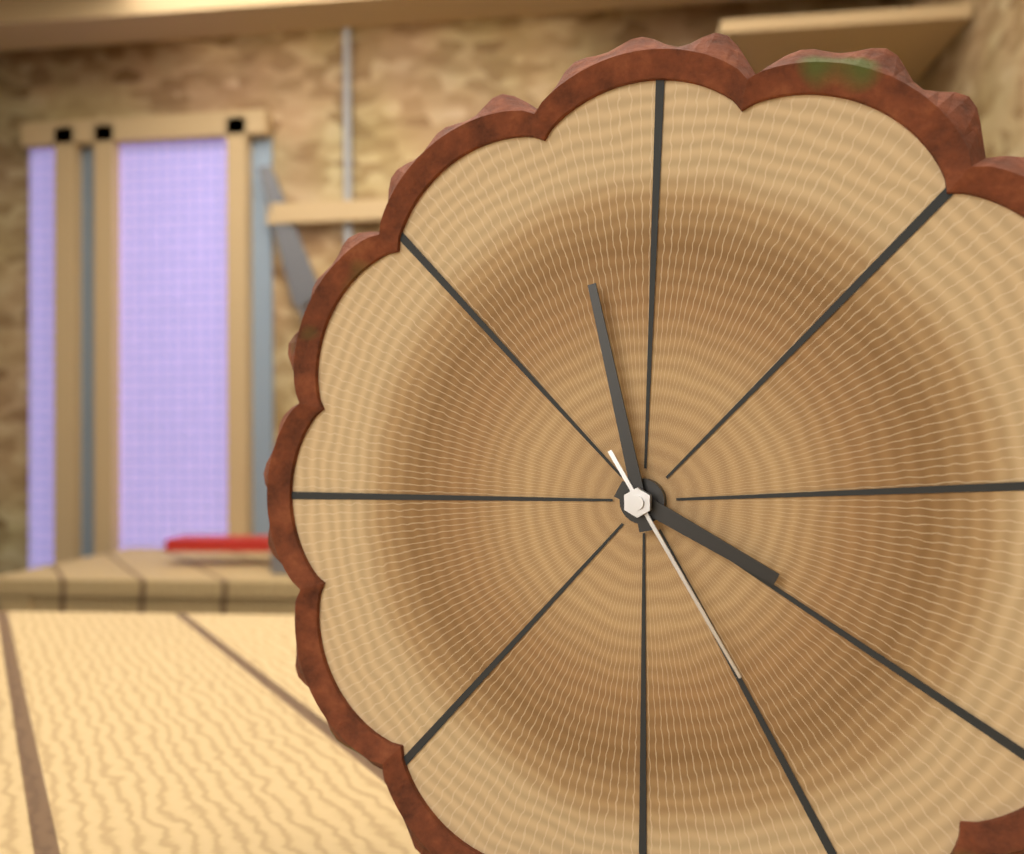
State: 3:58:25
